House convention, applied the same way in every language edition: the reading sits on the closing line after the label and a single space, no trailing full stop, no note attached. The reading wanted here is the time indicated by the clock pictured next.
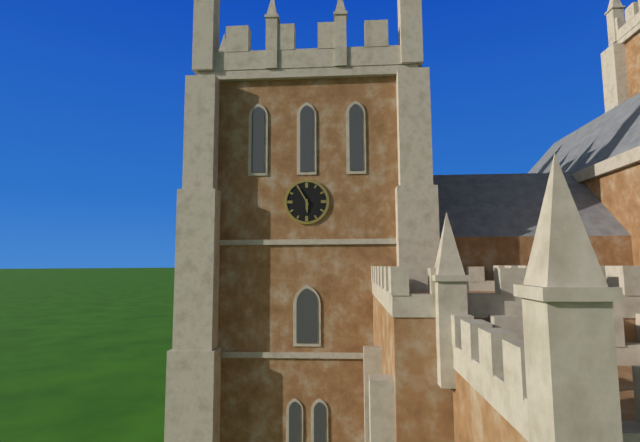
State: 5:55
